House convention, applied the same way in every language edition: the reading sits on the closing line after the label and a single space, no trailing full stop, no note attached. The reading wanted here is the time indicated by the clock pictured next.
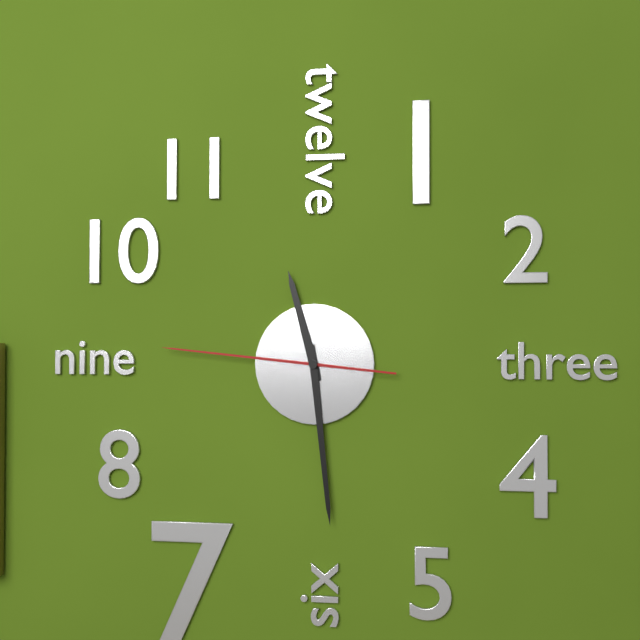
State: 11:29:46
